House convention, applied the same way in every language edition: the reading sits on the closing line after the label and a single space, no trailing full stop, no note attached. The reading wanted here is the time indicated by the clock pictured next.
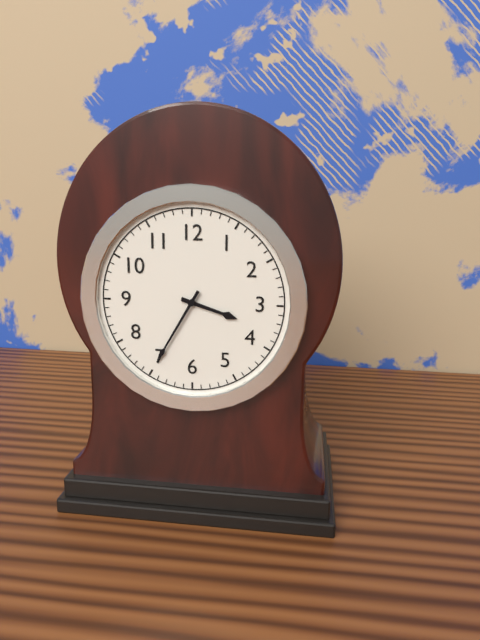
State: 3:35
